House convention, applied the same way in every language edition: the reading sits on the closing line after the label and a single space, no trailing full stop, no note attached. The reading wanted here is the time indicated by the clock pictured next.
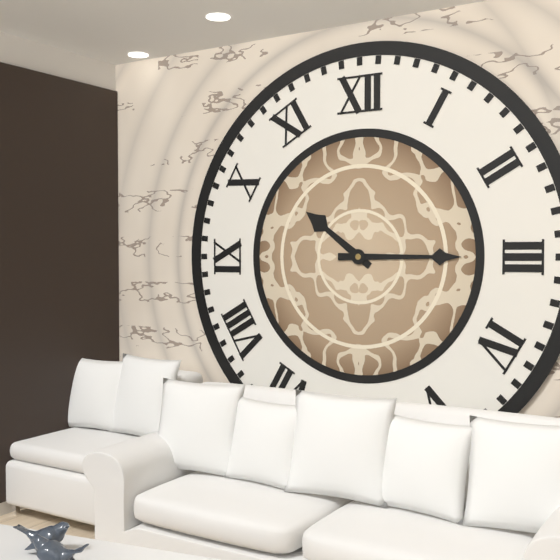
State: 10:15
